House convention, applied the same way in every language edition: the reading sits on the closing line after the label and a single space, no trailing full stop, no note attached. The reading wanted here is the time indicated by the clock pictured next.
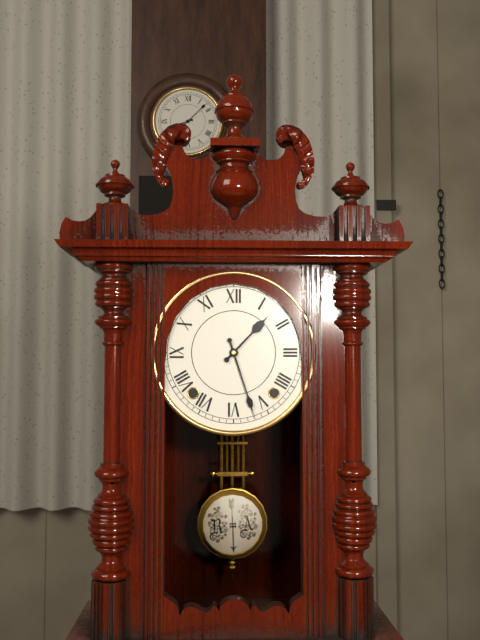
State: 1:27
